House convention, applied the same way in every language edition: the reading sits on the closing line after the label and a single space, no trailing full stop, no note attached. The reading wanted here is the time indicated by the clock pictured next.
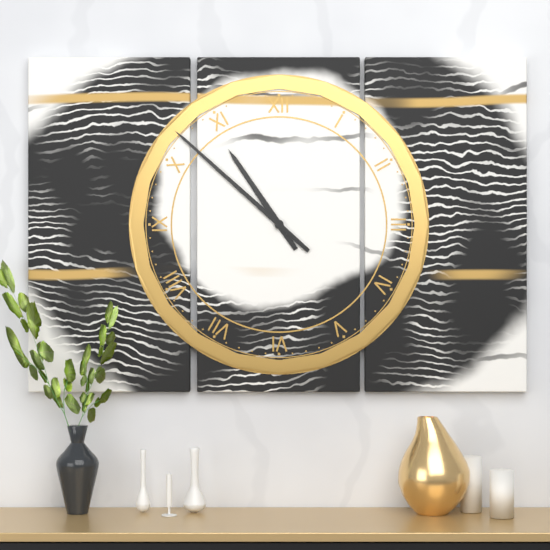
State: 10:52
